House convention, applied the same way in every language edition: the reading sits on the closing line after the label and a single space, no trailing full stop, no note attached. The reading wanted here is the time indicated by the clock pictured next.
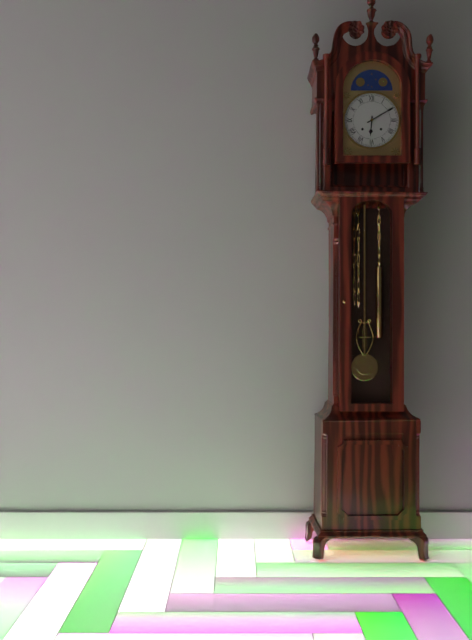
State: 6:10
